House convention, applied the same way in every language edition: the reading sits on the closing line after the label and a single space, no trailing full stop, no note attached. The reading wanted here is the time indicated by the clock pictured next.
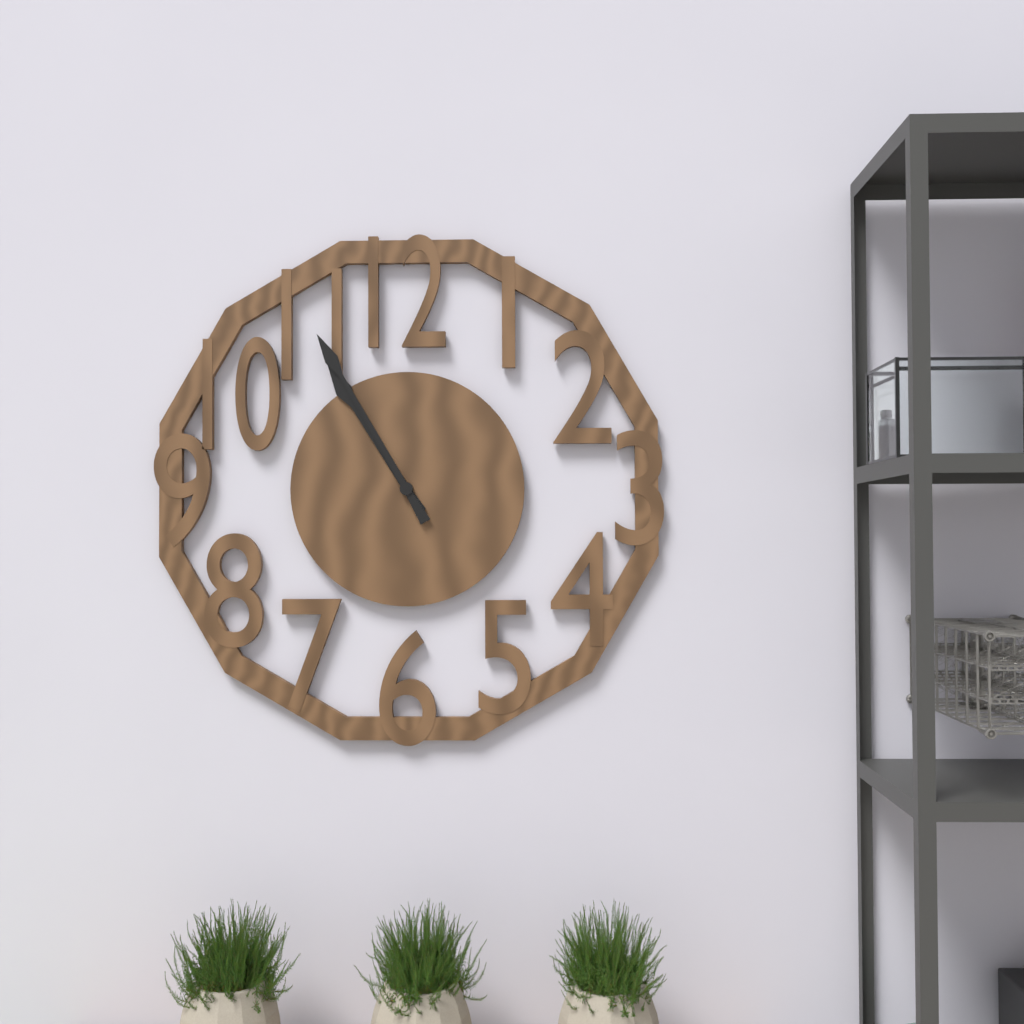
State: 10:55
